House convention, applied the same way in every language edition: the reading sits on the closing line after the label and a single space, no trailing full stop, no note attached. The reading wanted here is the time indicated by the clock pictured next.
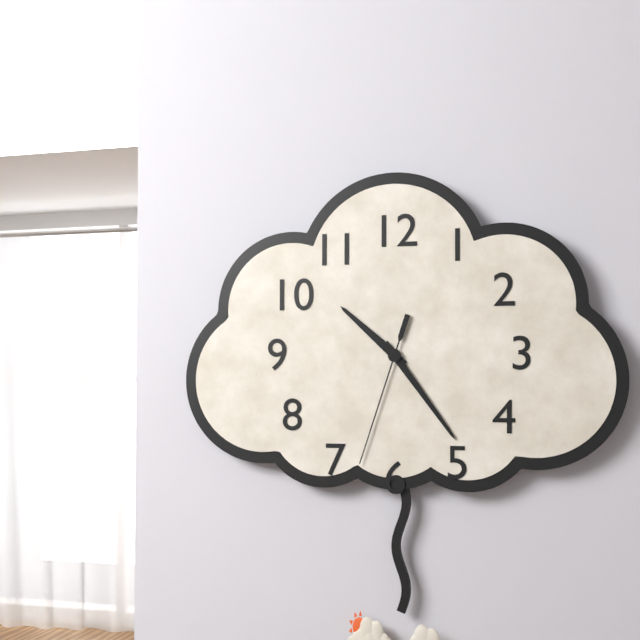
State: 10:24:33
